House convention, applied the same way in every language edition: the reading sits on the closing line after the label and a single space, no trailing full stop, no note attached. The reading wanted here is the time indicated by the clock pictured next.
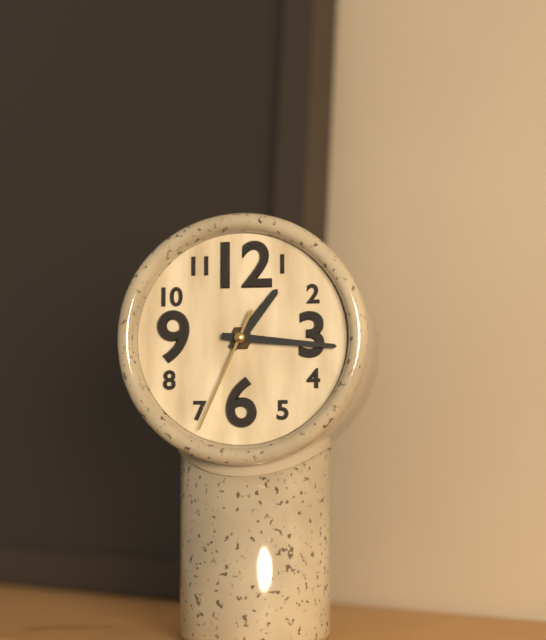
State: 1:16:34
